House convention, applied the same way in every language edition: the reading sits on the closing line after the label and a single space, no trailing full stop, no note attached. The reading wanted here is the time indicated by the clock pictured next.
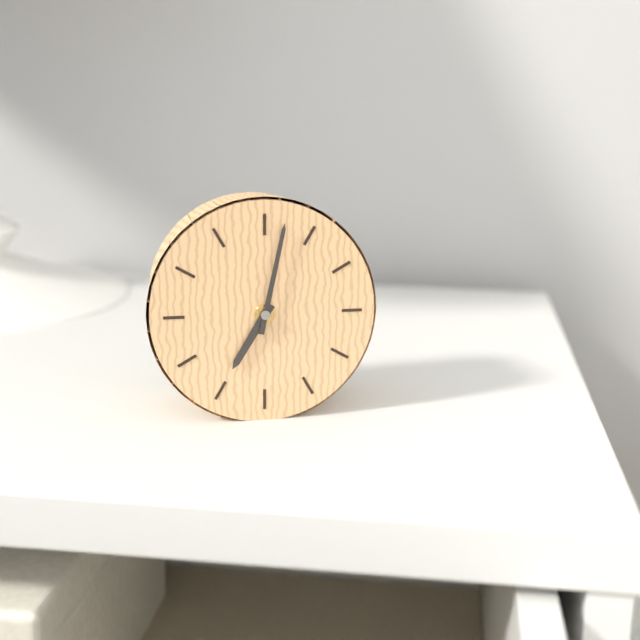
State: 7:02
